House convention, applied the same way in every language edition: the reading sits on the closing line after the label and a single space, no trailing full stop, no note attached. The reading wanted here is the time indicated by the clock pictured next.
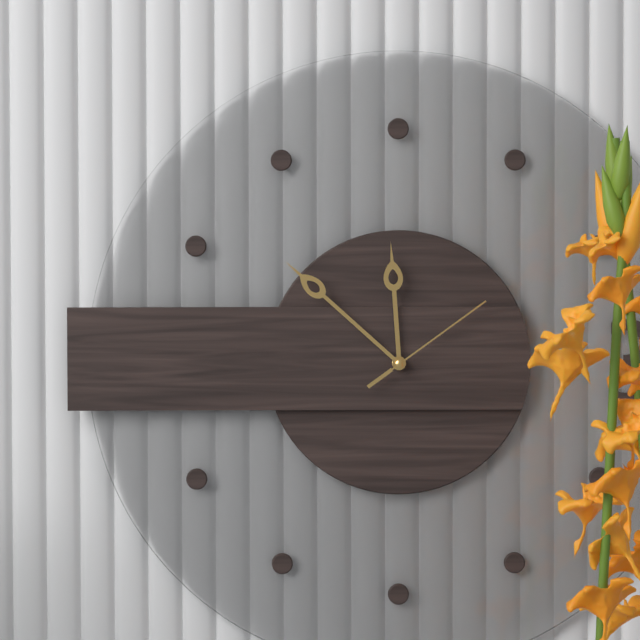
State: 11:52:09
